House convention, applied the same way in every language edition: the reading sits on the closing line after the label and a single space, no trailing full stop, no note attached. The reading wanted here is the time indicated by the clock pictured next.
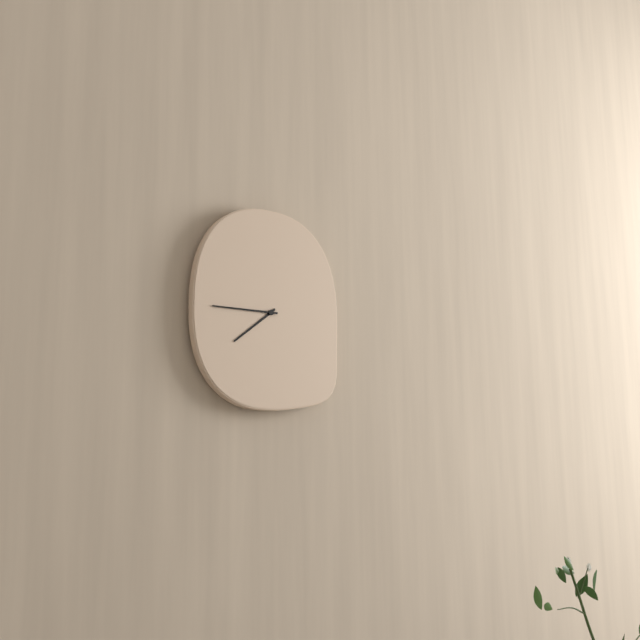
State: 7:45
